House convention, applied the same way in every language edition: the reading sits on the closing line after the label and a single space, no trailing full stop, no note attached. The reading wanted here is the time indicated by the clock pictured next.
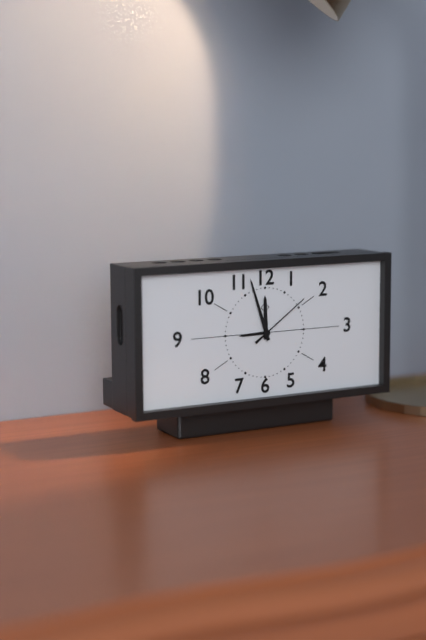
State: 11:57:09
